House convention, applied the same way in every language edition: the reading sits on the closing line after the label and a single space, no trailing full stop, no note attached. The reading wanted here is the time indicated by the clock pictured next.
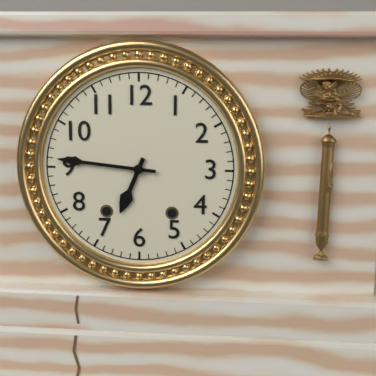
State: 6:46
